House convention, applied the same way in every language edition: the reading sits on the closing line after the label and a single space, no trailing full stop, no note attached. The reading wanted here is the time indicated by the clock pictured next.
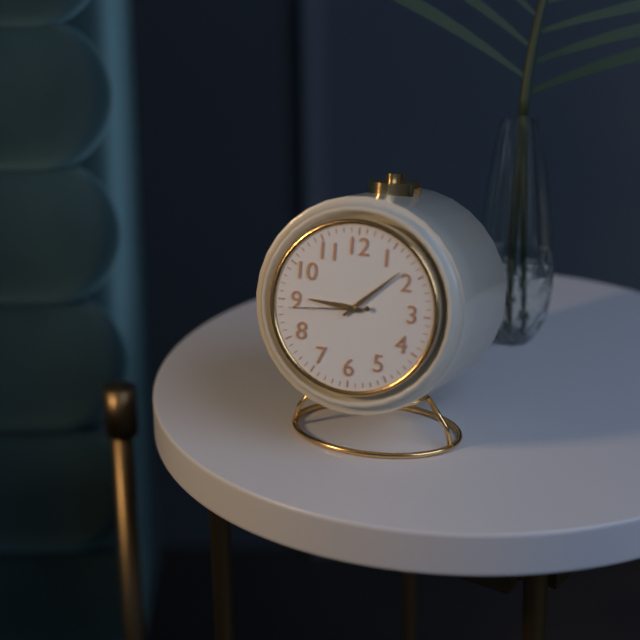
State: 9:08:44
